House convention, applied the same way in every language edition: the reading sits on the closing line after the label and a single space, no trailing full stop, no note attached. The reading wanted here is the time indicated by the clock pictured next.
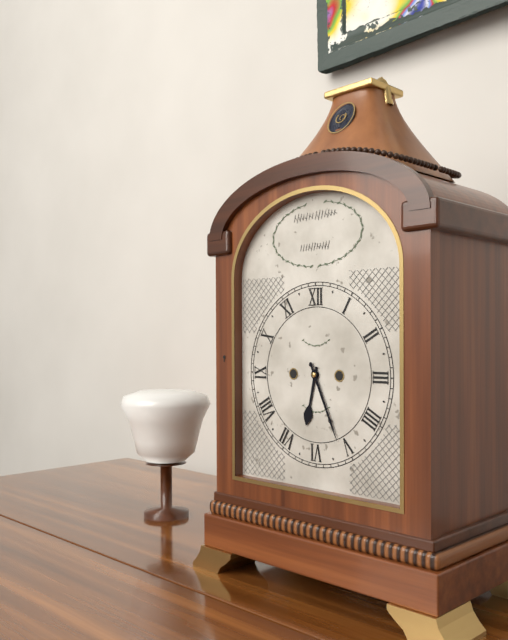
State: 6:26
